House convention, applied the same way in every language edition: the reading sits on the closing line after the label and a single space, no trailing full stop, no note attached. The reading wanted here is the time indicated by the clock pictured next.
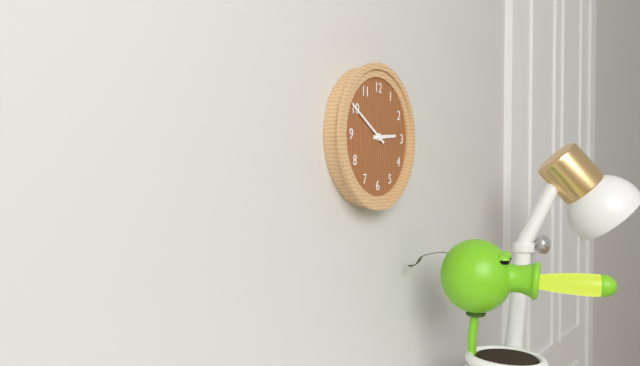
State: 2:50
